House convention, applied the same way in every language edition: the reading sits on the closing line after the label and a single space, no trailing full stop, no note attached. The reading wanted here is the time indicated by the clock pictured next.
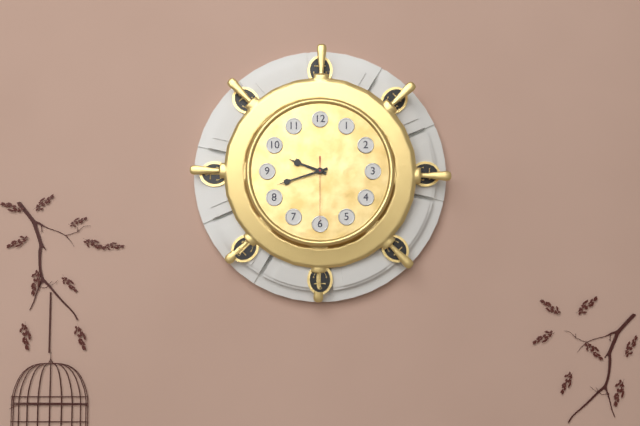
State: 9:42:30
